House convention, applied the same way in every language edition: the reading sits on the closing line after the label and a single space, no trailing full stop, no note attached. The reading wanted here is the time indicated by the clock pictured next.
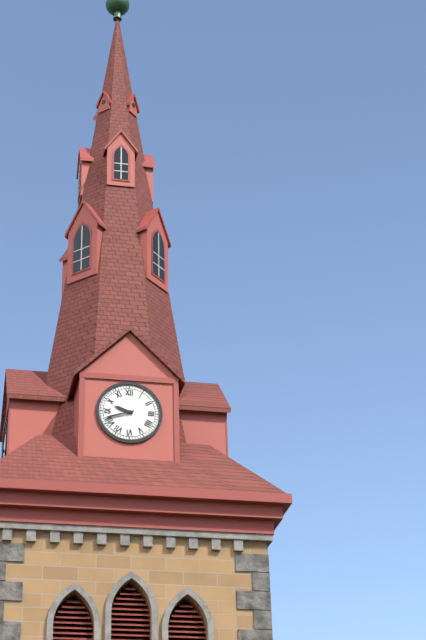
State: 9:42
